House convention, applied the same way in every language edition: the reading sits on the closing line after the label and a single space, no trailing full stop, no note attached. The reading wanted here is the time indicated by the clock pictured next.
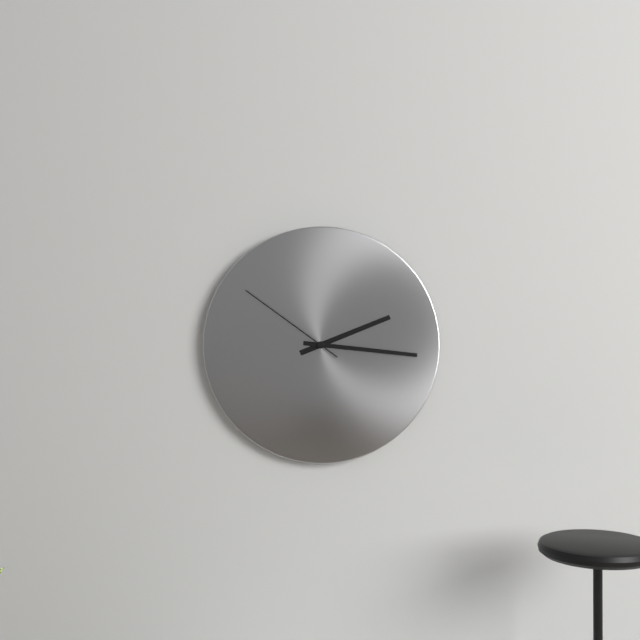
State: 2:16:51
